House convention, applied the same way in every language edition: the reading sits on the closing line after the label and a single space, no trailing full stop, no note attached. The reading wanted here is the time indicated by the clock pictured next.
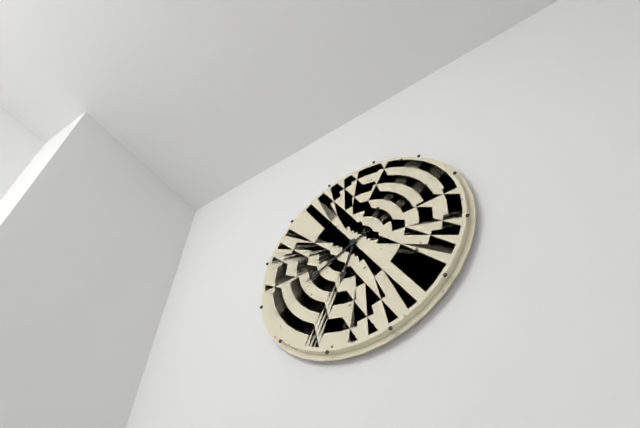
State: 6:41
